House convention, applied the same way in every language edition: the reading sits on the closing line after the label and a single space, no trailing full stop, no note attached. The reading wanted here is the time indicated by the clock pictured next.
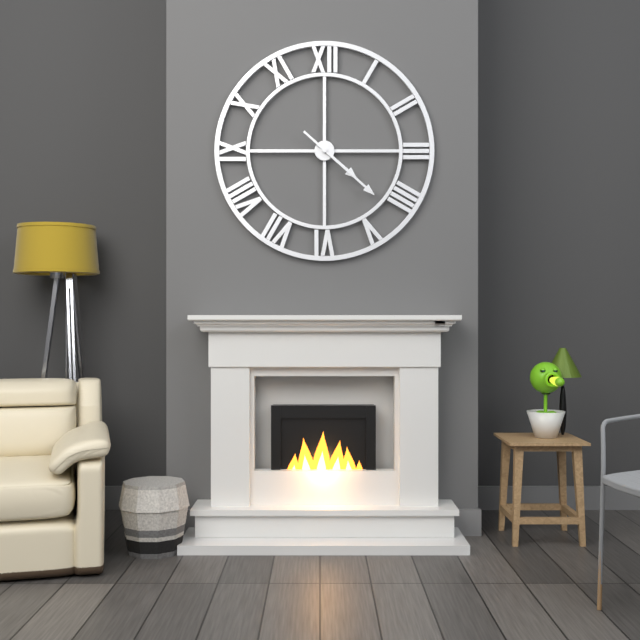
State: 4:22
